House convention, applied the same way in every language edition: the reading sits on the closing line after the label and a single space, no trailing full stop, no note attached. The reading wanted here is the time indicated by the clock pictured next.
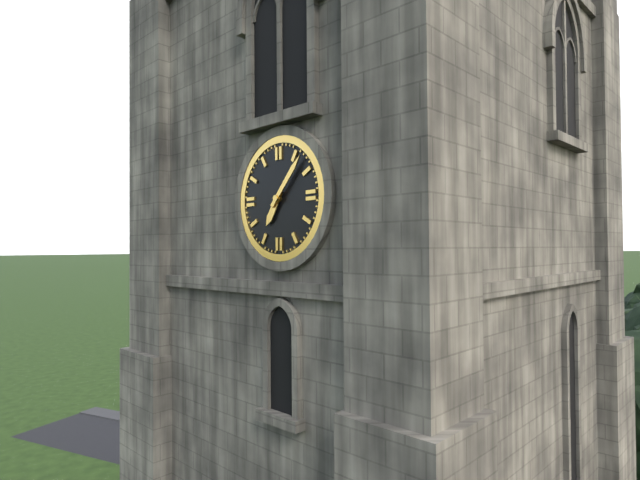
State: 7:07
